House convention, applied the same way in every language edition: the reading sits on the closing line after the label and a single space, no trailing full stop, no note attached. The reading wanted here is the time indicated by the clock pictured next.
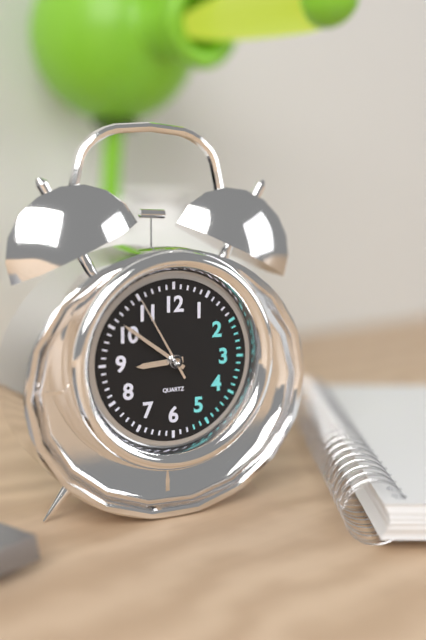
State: 8:51:55
